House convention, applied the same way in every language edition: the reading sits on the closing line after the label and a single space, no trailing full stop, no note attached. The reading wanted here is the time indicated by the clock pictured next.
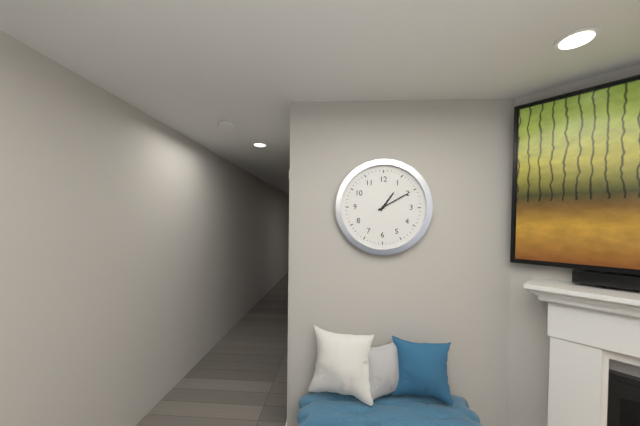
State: 1:10
